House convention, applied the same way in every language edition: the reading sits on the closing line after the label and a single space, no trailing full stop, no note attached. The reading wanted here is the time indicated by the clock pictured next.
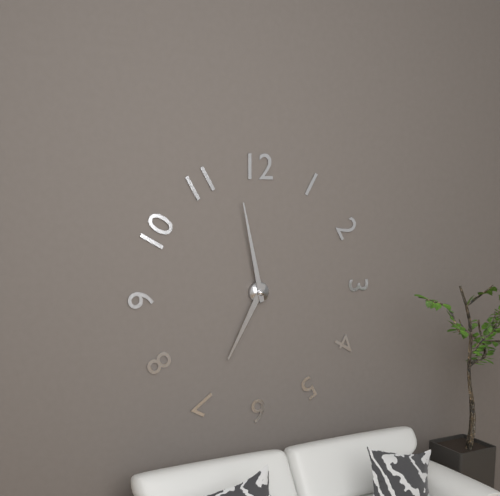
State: 6:58
